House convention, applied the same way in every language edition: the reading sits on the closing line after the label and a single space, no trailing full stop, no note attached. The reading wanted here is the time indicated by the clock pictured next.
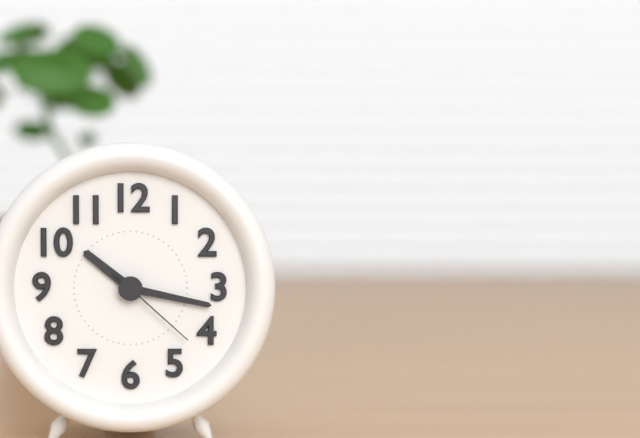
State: 10:17:22
